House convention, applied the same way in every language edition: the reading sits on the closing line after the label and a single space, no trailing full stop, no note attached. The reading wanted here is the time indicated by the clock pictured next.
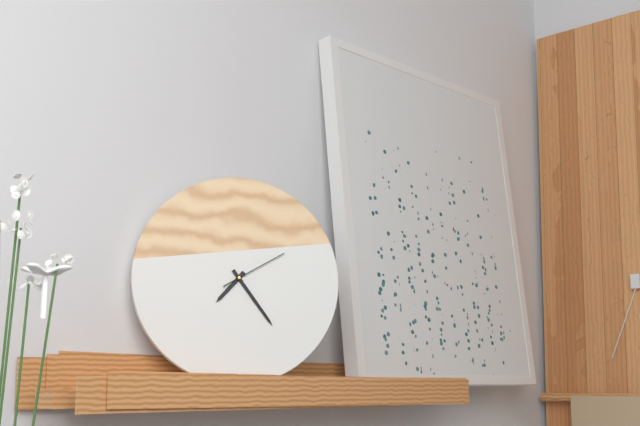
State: 7:24:10
